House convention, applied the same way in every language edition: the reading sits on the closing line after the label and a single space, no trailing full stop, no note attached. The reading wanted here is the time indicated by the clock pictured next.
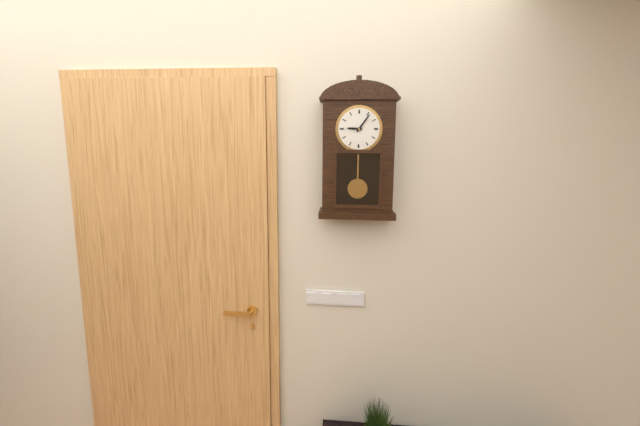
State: 9:06
